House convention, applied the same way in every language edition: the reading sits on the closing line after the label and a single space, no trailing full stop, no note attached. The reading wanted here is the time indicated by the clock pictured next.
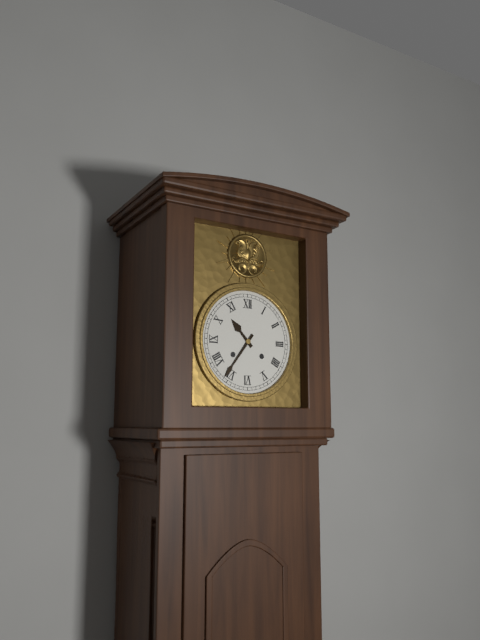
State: 10:36
